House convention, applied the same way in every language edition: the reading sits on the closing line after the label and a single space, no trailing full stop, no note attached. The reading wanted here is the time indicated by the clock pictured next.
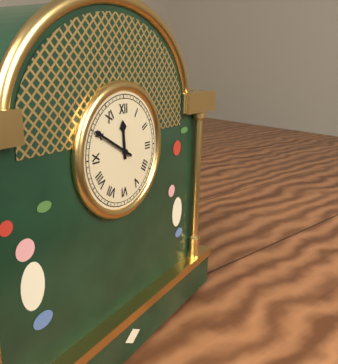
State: 11:50
